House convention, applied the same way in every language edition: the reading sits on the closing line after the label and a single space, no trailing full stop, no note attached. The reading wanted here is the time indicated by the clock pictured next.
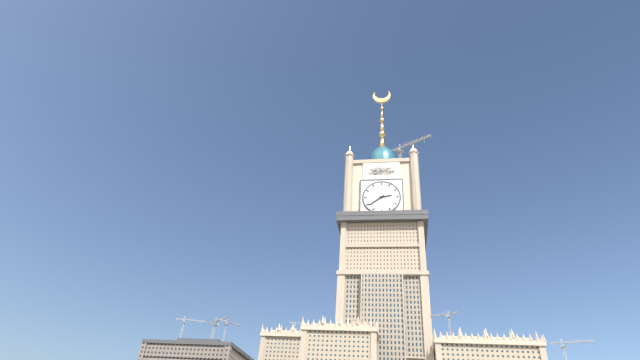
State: 2:39
